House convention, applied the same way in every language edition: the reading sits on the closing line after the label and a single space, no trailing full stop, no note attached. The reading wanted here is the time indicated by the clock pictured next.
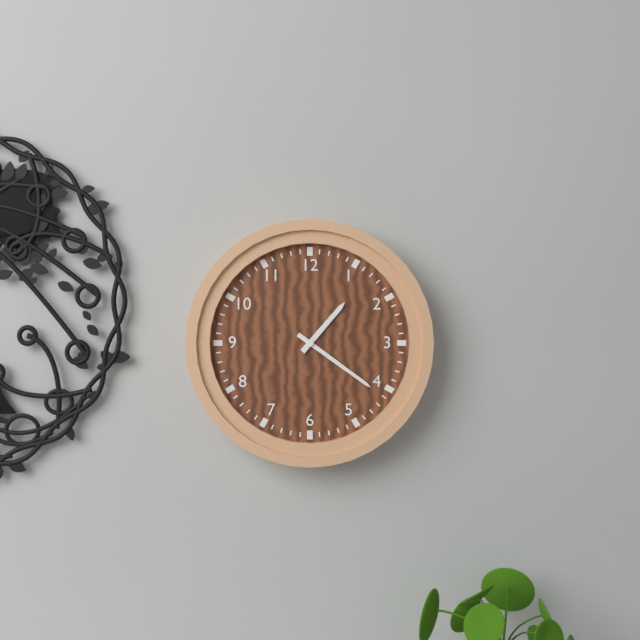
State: 1:21
